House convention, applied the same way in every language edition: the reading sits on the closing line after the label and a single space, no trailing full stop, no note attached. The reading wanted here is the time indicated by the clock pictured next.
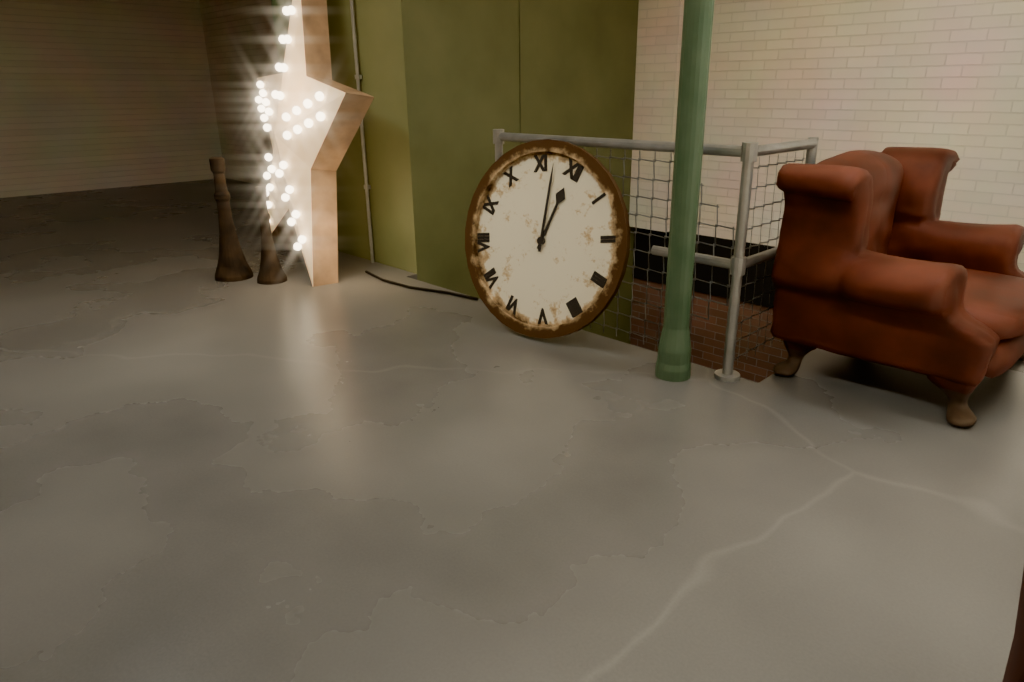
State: 11:57
